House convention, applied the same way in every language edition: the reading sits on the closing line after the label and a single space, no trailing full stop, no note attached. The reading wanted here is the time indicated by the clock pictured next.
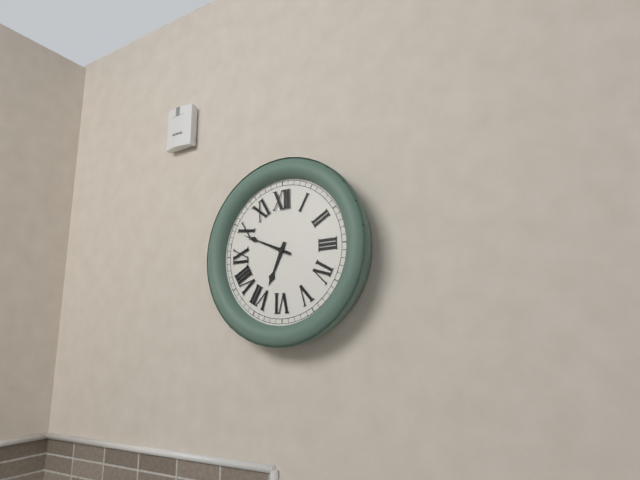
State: 6:49
